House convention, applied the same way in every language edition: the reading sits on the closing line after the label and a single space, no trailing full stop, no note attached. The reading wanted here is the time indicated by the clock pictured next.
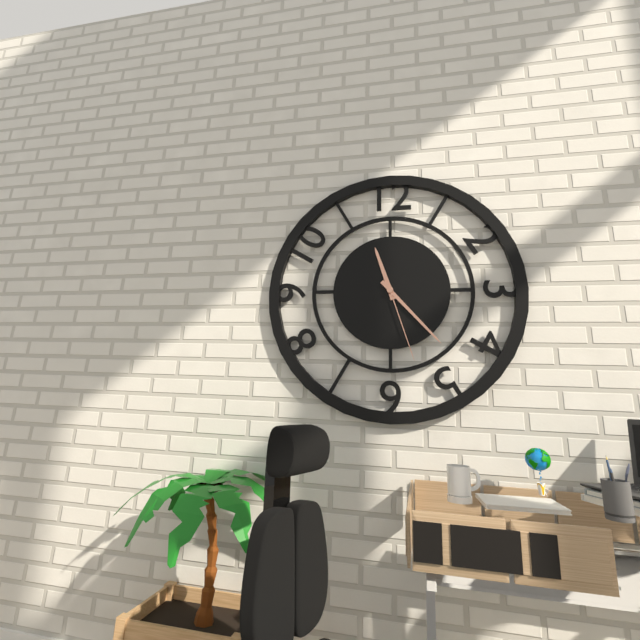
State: 11:23:27
